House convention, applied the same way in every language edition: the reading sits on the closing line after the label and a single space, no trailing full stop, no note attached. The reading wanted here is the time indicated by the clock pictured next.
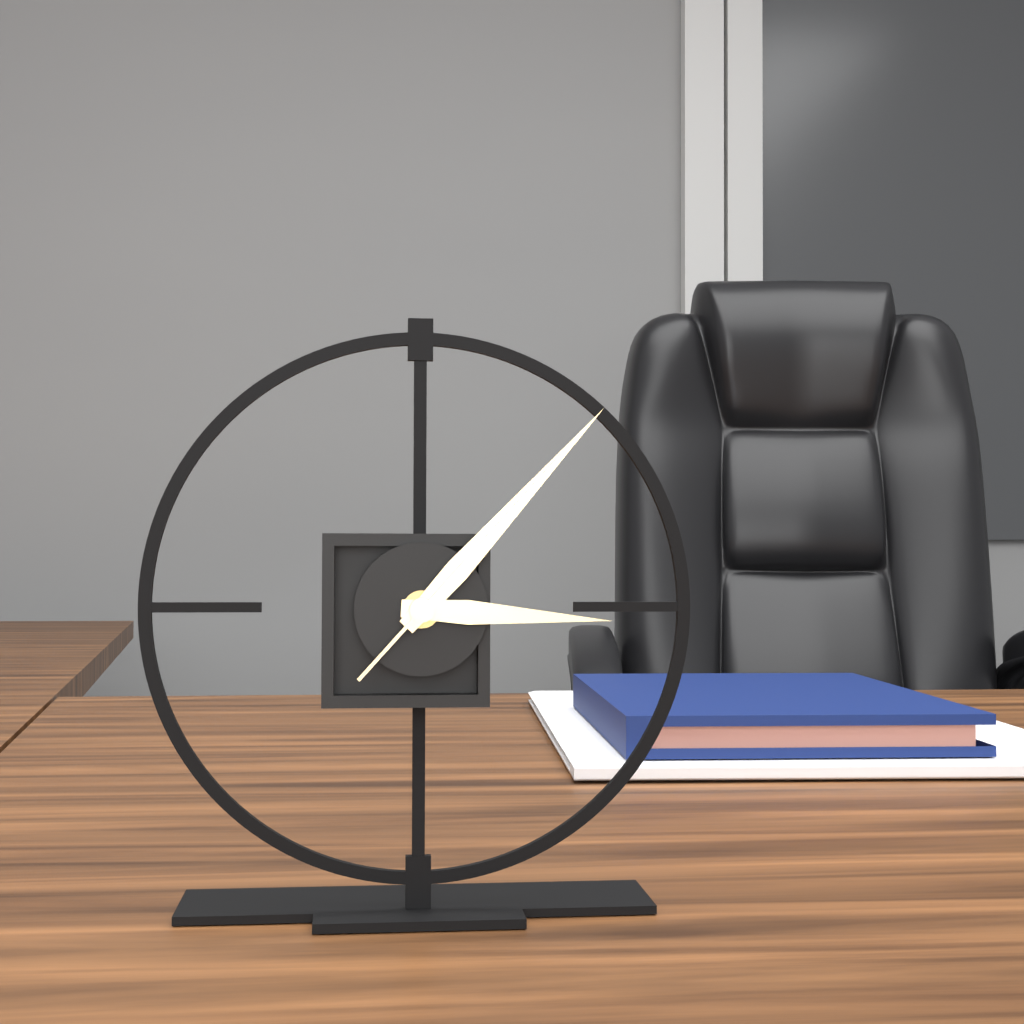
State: 3:07:07
